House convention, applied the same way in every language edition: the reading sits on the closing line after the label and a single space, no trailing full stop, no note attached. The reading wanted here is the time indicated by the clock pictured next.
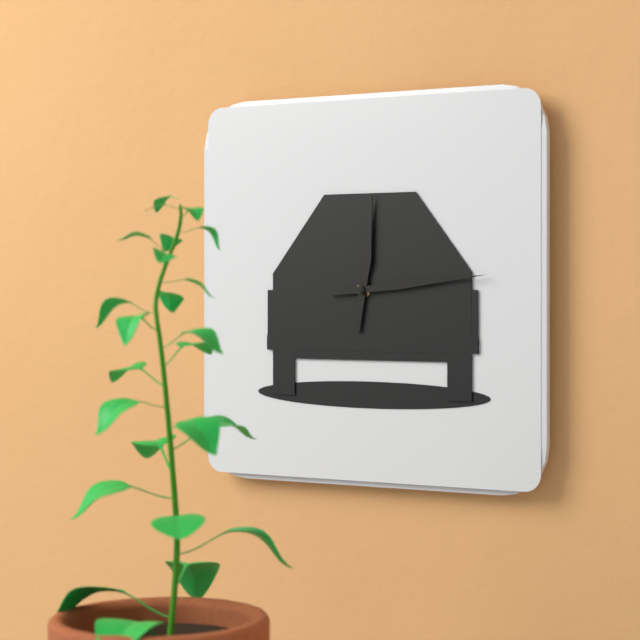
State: 12:14
